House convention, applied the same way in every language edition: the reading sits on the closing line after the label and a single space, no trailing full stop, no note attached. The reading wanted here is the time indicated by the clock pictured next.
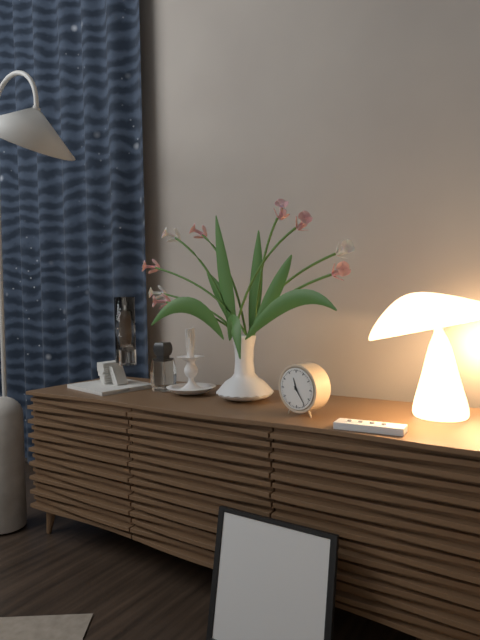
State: 11:24
